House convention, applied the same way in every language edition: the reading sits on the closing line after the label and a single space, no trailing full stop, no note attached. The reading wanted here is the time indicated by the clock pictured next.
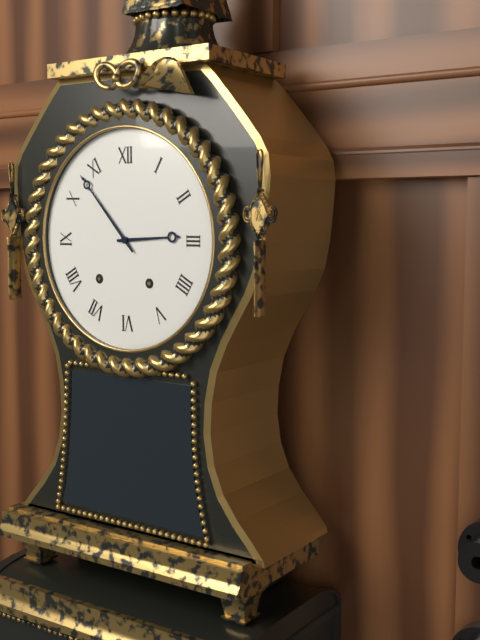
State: 2:53
